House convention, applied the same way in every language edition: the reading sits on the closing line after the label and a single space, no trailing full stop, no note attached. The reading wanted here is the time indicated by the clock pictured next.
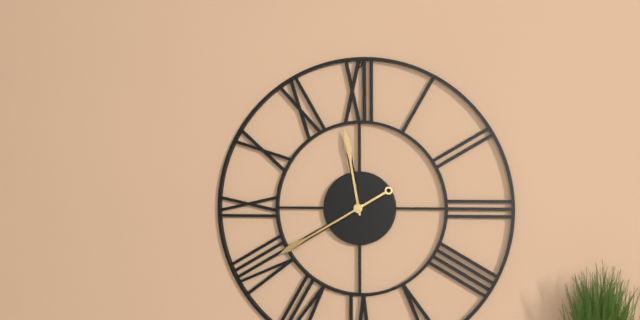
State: 11:40
